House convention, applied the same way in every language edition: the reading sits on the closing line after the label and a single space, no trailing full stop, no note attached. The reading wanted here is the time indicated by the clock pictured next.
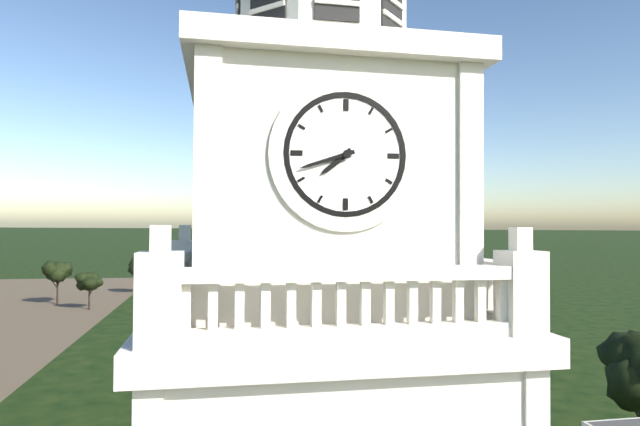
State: 7:42
